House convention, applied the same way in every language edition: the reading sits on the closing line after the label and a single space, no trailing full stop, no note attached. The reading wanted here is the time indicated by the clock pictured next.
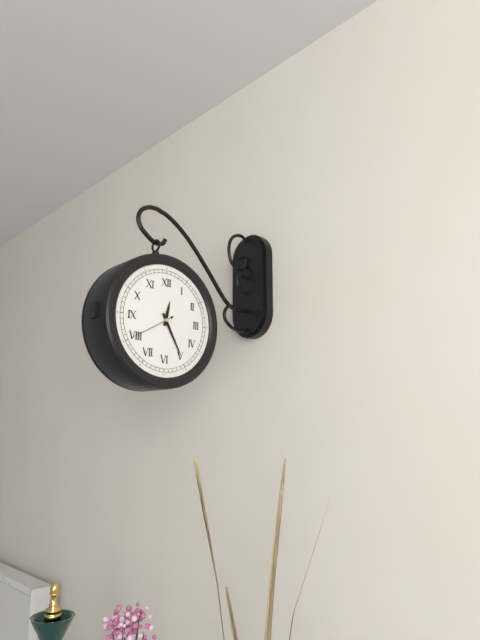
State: 12:25
